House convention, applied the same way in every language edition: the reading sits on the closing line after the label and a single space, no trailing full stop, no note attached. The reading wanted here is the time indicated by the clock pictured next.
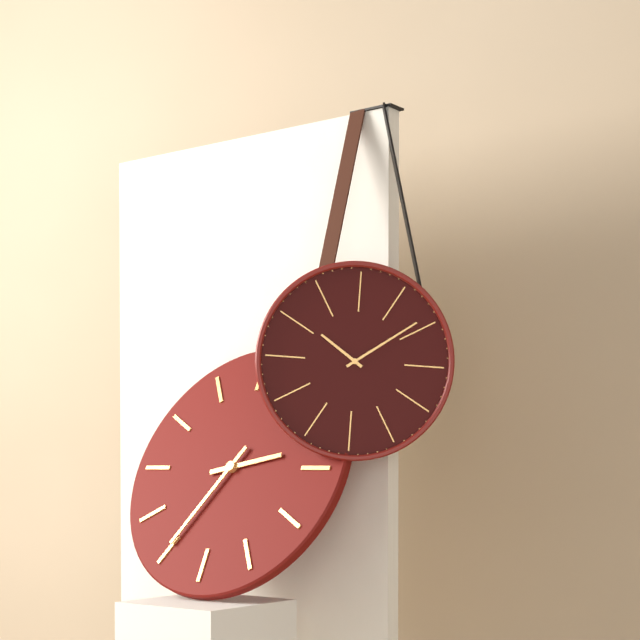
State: 2:35
